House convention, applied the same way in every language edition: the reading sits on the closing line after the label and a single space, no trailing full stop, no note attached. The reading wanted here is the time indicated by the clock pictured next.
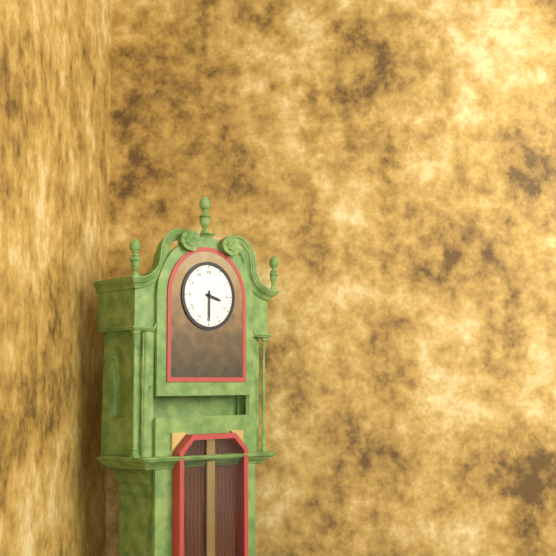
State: 3:30
